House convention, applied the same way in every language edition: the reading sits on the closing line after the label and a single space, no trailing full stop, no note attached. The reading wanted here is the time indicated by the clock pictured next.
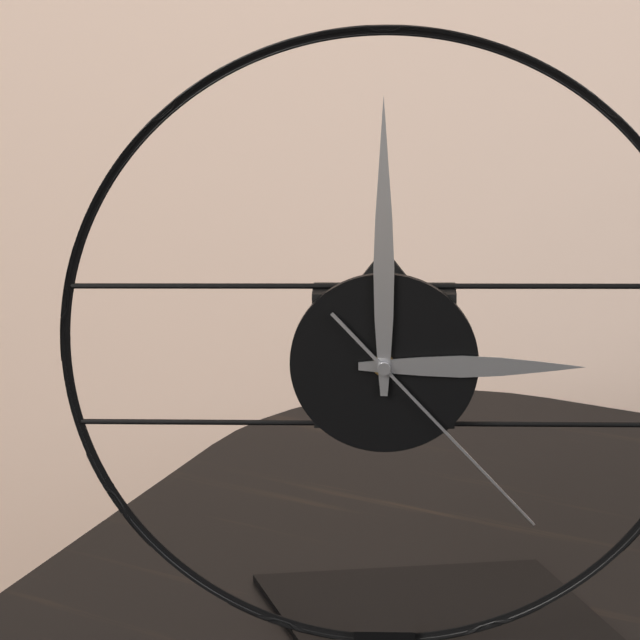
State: 3:00:23
